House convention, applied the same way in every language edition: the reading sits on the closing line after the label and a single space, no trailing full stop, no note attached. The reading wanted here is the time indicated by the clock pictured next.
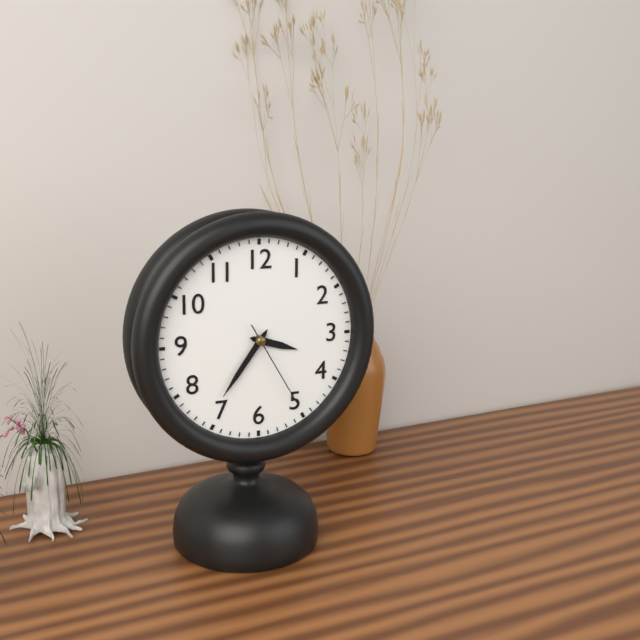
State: 3:36:25
